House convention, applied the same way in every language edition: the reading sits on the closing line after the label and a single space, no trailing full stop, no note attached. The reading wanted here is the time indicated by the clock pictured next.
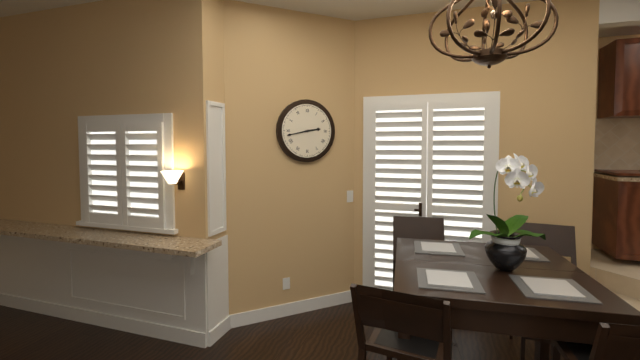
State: 2:43
